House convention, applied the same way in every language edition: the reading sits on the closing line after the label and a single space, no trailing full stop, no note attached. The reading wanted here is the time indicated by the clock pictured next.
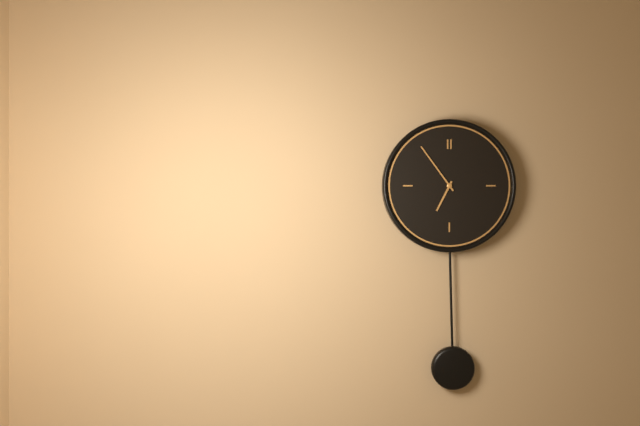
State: 6:54
